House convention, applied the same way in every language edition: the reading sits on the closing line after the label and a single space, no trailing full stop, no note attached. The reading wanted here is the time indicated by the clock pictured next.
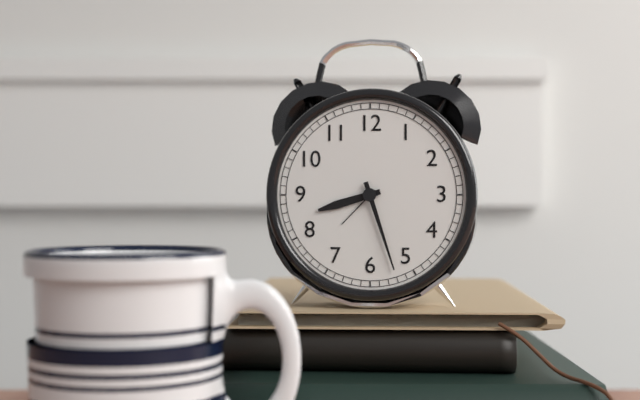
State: 8:27
